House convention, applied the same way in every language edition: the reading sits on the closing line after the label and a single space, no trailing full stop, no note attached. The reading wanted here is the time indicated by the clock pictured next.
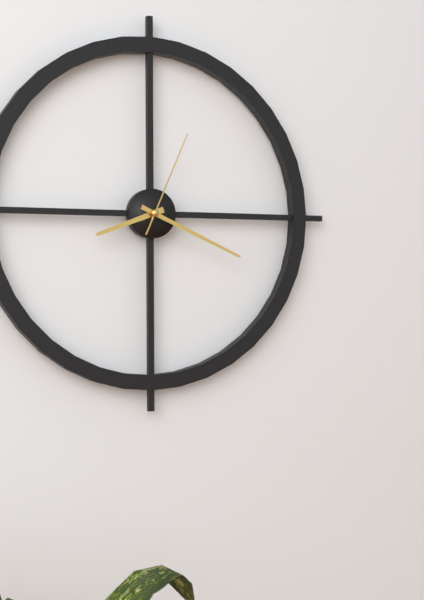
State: 8:19:04
